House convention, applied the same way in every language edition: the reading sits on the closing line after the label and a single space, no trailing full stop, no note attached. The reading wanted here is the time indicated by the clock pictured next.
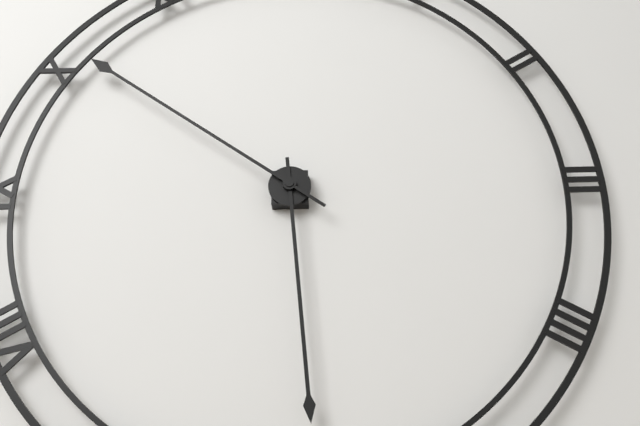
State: 5:51
